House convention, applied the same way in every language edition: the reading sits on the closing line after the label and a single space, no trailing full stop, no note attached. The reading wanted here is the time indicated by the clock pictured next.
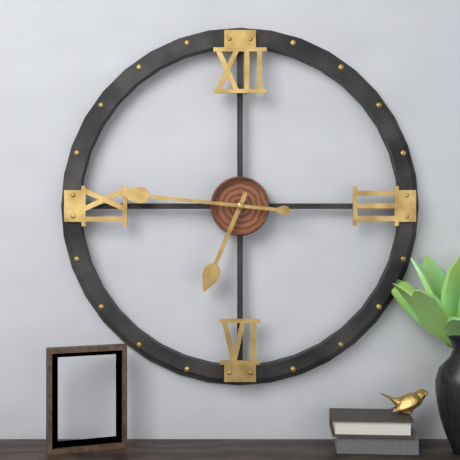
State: 6:46
